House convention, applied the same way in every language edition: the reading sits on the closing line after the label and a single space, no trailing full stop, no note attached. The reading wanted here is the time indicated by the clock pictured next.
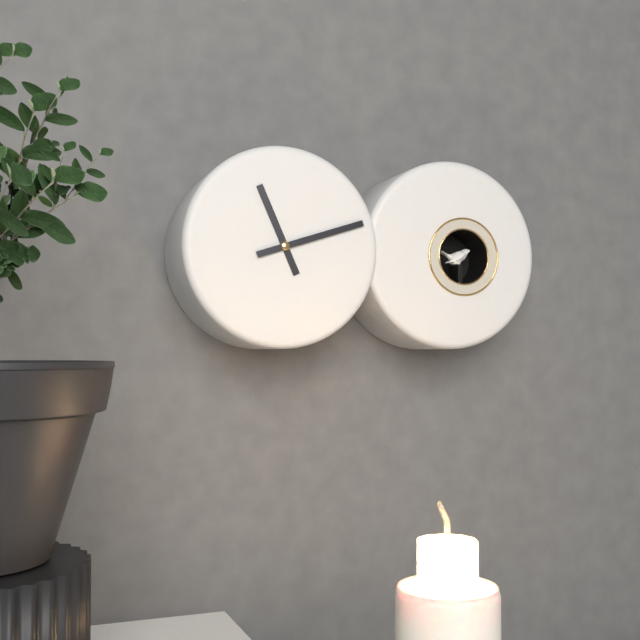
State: 11:12
